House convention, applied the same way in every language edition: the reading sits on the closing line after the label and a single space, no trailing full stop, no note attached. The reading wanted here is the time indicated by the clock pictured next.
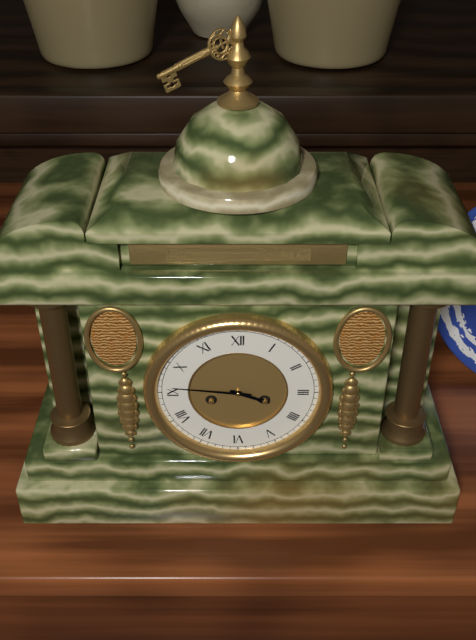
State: 3:46
